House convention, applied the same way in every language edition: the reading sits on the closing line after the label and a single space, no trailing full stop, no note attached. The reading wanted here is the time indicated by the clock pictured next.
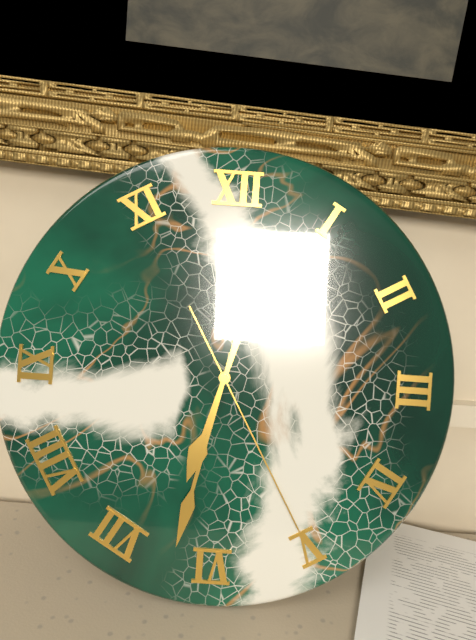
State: 6:32:25
